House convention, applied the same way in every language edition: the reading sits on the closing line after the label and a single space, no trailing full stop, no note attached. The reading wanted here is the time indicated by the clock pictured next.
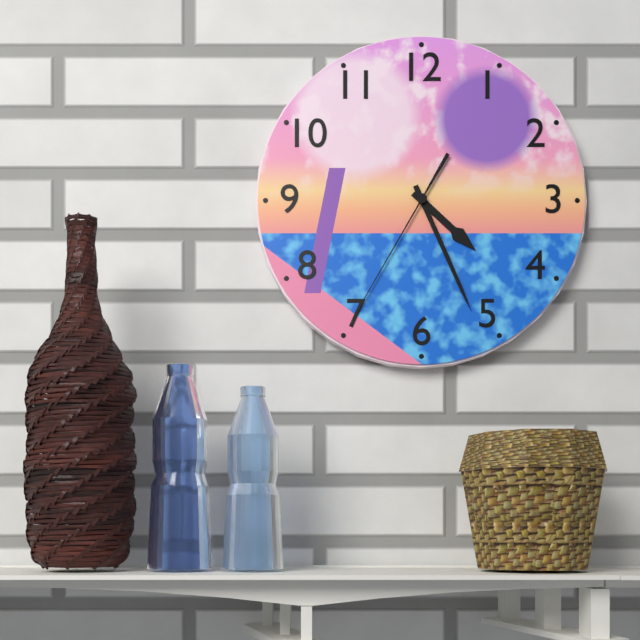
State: 4:26:35
